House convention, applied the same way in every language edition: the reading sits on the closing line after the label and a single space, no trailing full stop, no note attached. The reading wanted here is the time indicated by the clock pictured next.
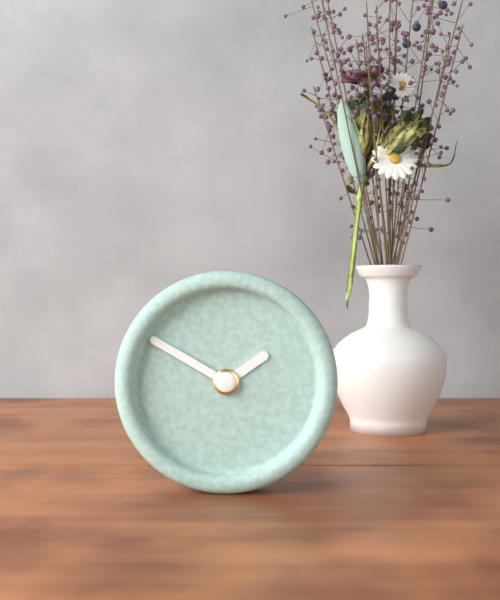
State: 1:50
